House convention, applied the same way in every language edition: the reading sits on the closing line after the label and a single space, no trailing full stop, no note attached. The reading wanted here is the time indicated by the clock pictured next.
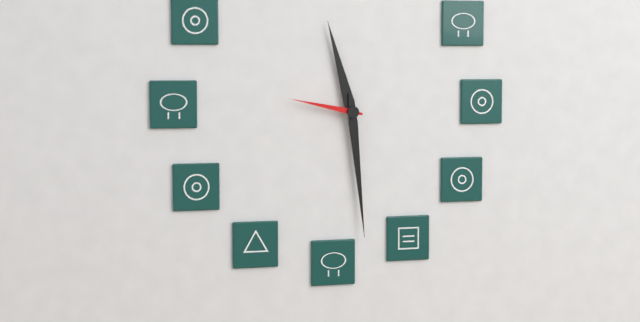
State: 11:29:47
